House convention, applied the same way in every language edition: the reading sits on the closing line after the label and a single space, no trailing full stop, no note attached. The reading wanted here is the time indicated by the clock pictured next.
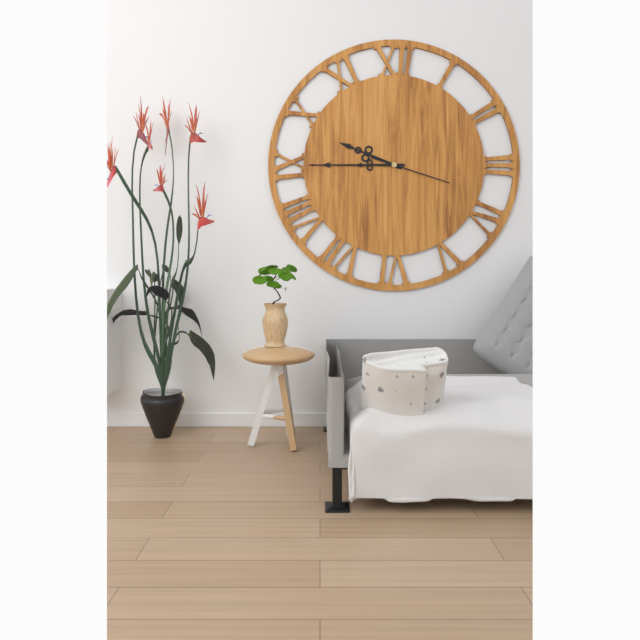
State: 9:45:18
